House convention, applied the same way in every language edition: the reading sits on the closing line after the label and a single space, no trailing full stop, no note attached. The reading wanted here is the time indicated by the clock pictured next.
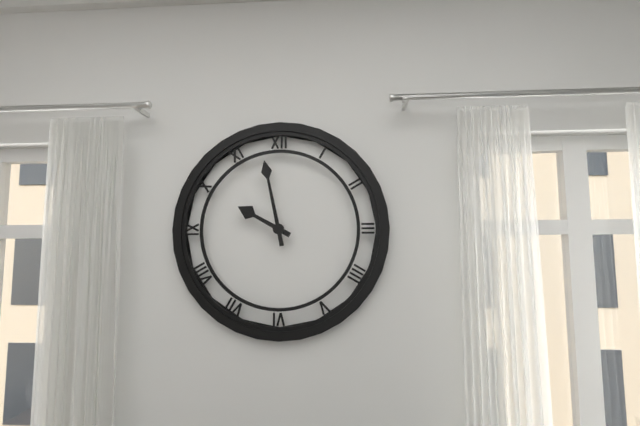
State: 9:58
